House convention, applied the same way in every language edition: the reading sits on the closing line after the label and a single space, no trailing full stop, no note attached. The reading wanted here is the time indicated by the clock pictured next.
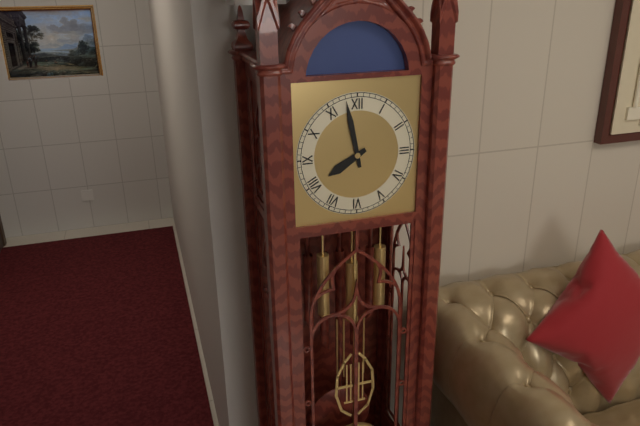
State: 7:58
